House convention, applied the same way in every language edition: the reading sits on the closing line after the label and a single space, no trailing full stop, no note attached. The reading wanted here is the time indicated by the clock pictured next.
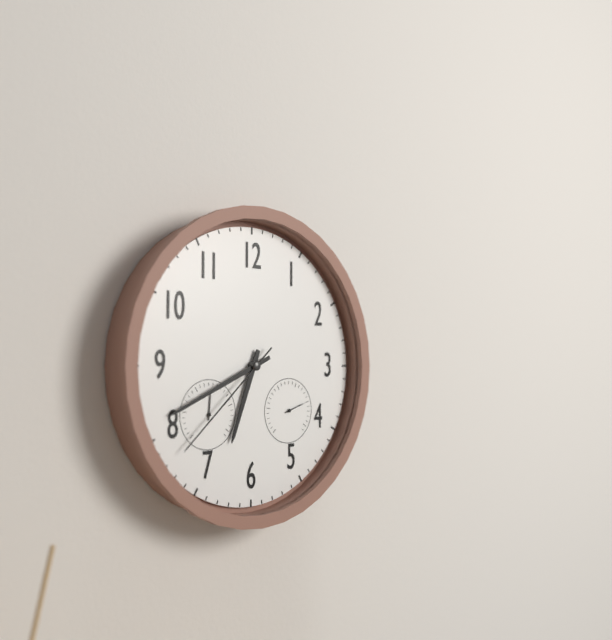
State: 6:41:38
